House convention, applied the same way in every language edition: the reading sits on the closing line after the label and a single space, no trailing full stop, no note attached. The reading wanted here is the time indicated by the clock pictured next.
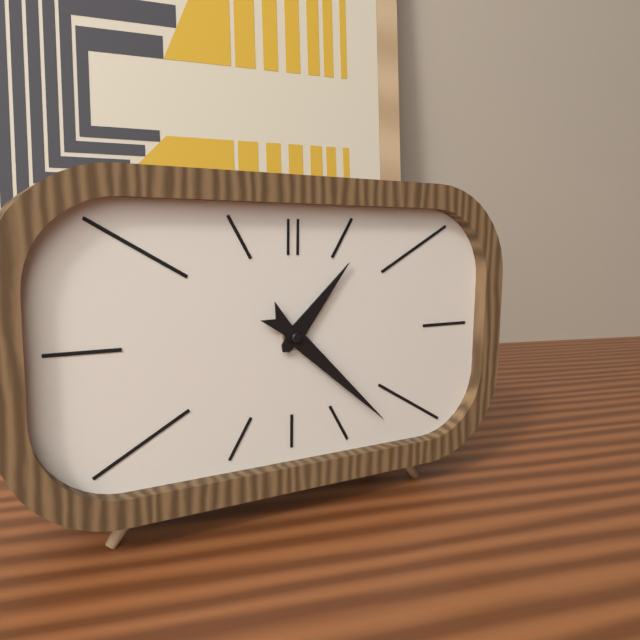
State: 1:22
